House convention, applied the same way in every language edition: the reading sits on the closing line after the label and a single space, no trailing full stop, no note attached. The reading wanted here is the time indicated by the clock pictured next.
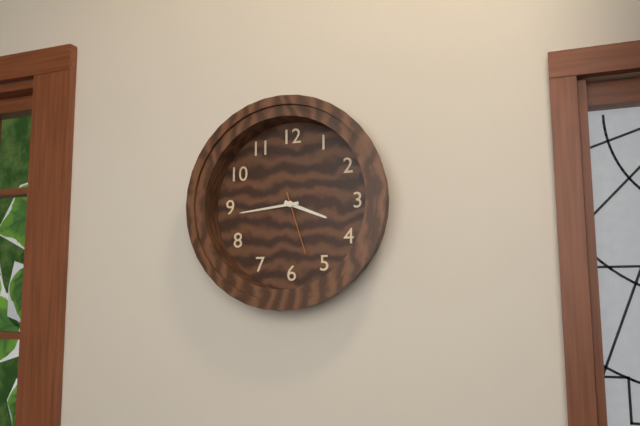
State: 3:44:27
